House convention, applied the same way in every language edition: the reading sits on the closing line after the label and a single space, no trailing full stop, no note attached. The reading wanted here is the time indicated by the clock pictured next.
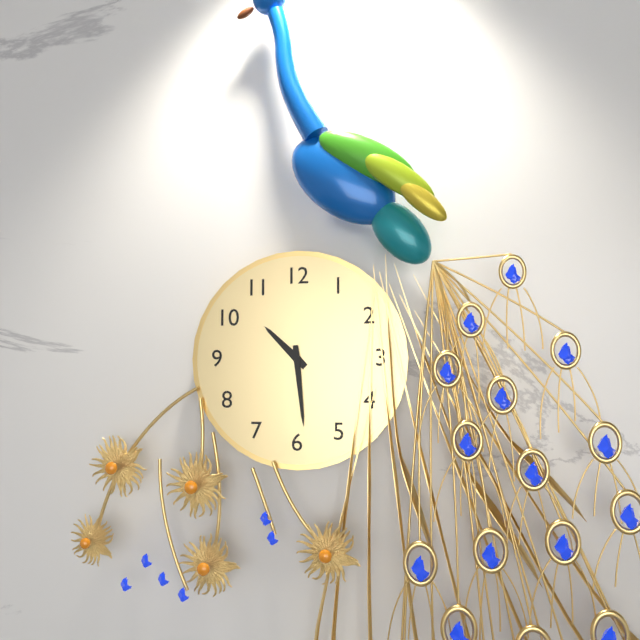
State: 10:29
